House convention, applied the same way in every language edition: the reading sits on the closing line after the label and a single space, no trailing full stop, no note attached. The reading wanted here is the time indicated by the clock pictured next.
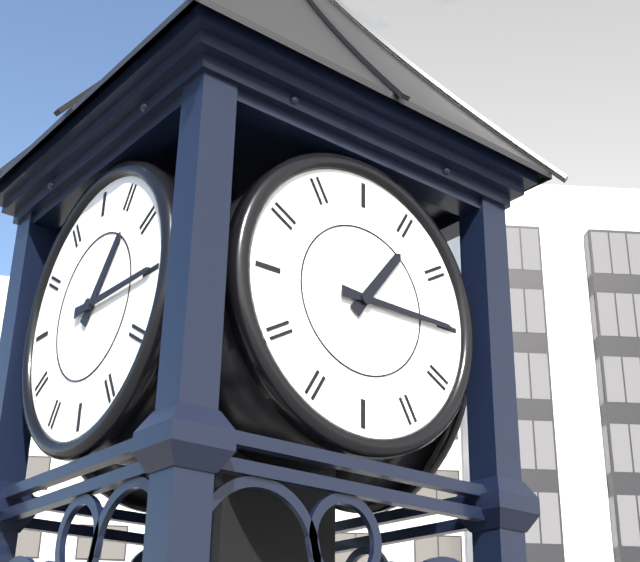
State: 1:15
